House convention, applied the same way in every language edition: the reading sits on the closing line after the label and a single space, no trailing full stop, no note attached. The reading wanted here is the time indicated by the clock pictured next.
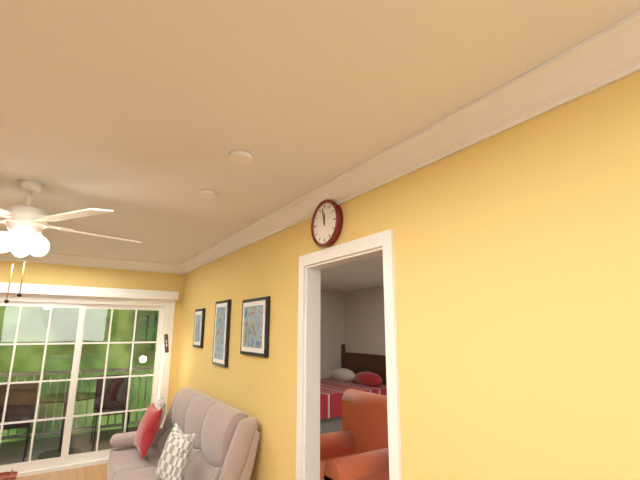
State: 11:58
